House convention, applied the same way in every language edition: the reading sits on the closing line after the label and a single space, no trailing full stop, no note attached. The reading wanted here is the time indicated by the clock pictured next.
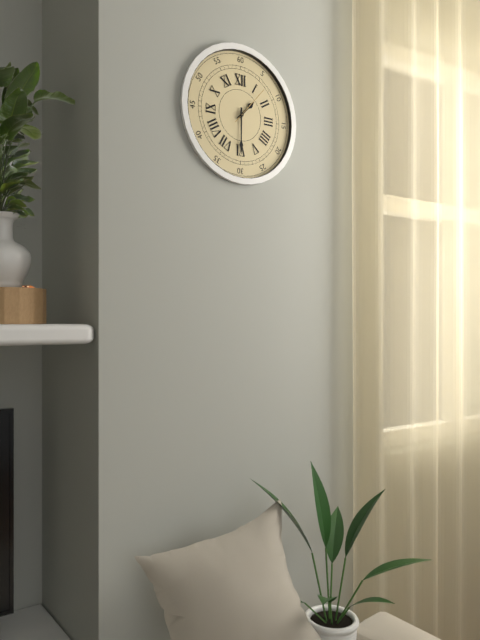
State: 1:30
